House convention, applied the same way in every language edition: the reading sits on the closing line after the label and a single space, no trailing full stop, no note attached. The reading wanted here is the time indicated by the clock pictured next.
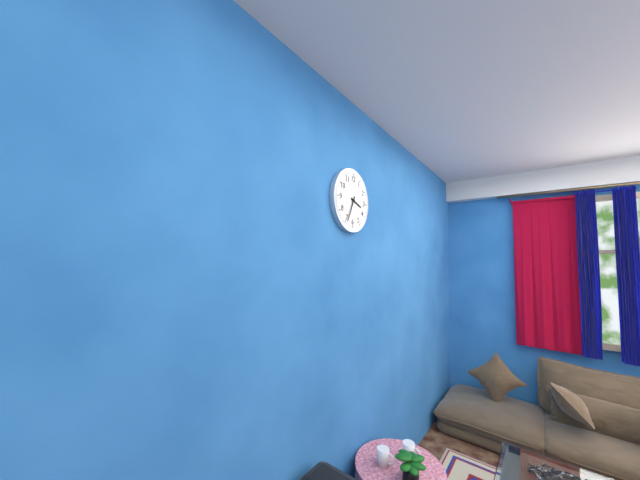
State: 3:34
